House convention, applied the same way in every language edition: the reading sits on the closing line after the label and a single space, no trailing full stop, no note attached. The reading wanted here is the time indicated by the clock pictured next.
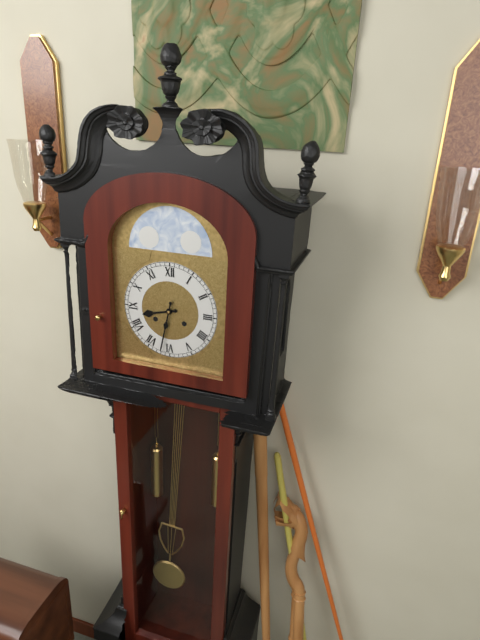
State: 8:32
